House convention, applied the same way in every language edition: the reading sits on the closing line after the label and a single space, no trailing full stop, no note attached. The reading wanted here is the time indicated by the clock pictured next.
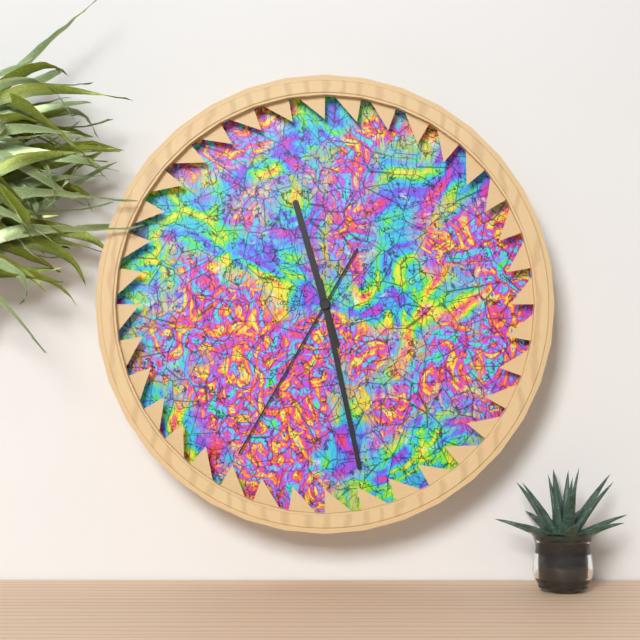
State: 11:28:35
